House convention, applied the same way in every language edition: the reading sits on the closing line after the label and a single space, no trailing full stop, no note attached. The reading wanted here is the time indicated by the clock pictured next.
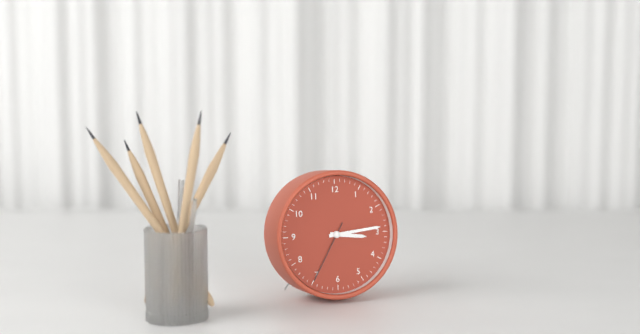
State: 3:14:35
